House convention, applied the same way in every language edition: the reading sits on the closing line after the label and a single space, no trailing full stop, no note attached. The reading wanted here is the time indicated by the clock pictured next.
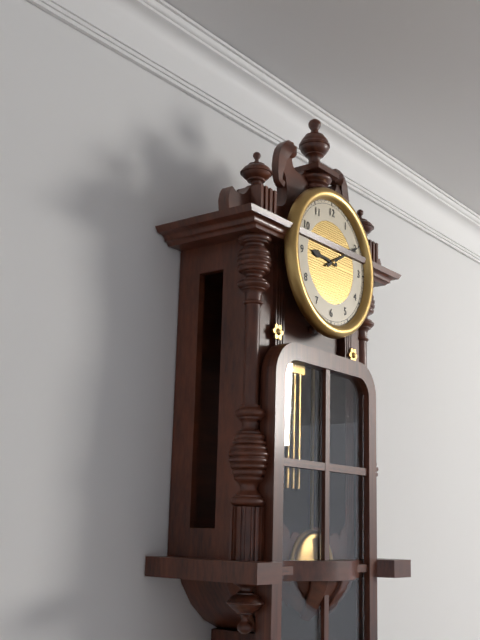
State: 9:10
